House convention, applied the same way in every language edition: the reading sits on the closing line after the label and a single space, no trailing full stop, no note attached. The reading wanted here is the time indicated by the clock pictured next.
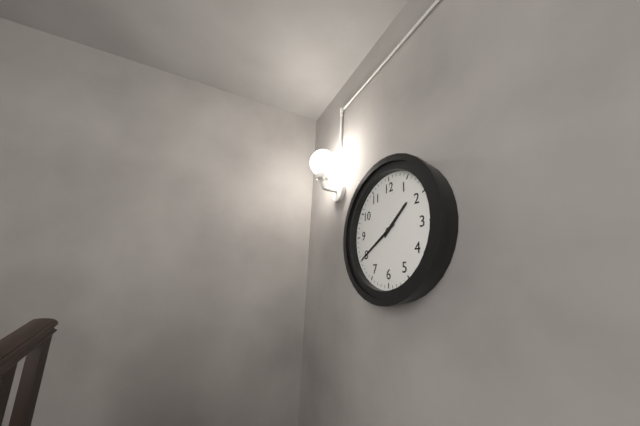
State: 1:40
